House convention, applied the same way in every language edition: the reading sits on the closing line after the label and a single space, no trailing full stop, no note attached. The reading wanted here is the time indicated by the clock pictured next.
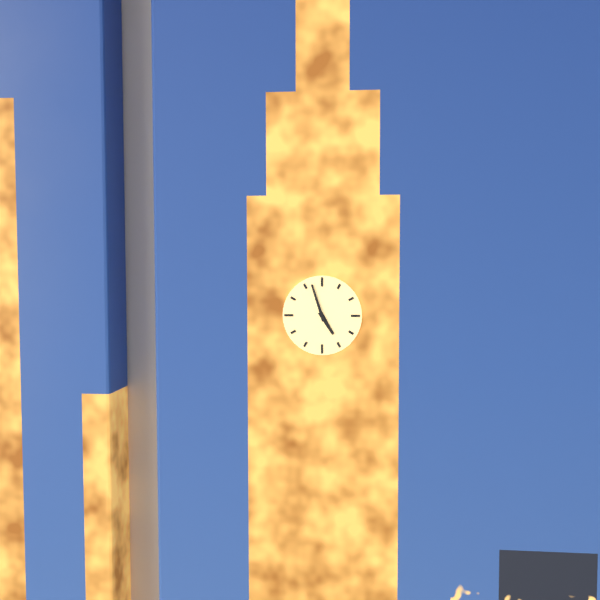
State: 4:57
